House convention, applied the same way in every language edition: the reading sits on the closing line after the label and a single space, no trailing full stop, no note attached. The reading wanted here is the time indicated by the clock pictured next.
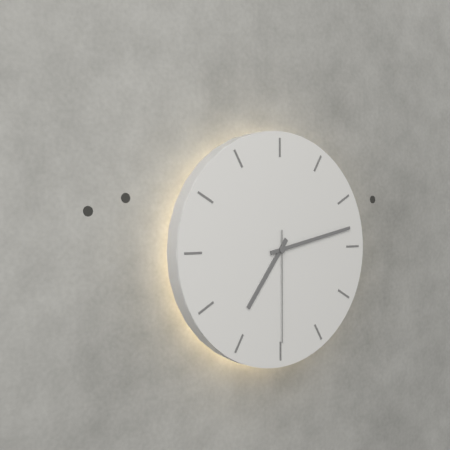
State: 7:13:30
